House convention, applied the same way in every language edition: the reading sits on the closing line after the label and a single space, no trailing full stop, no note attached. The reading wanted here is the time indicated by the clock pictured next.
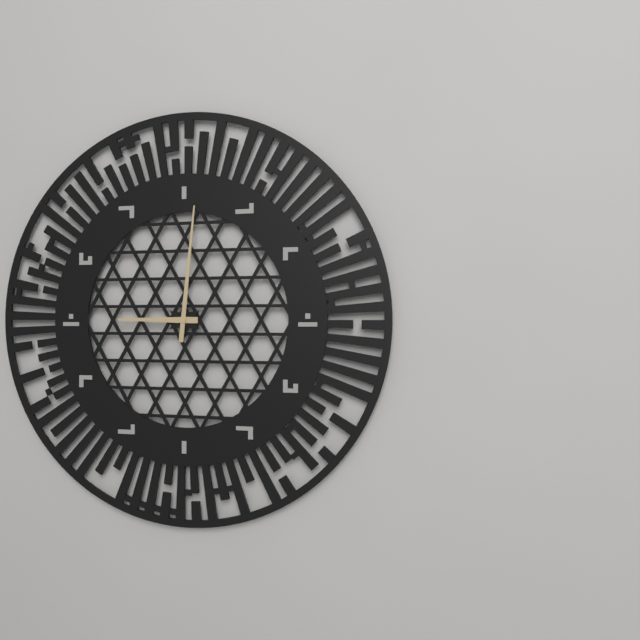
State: 9:01
